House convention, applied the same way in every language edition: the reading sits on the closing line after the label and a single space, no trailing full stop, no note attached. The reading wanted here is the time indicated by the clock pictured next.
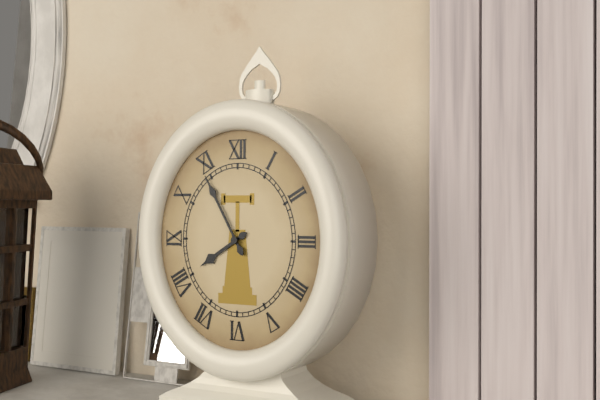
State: 7:55
